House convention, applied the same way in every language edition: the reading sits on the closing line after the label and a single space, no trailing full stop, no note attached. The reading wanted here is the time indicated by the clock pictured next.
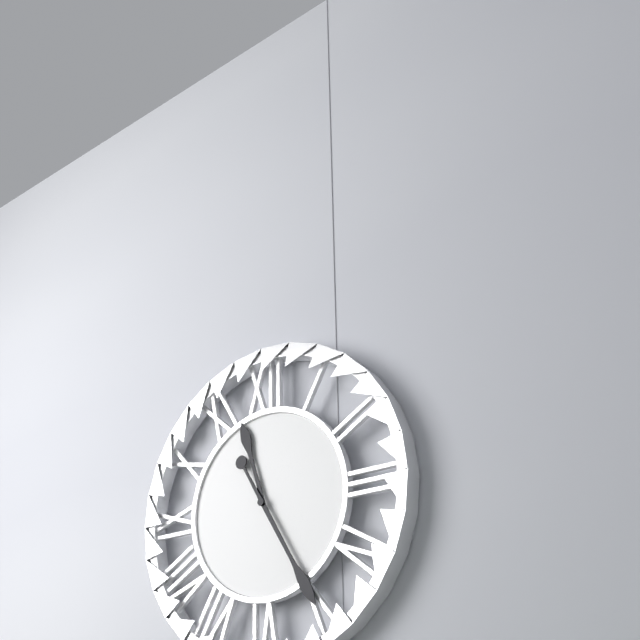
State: 11:25
